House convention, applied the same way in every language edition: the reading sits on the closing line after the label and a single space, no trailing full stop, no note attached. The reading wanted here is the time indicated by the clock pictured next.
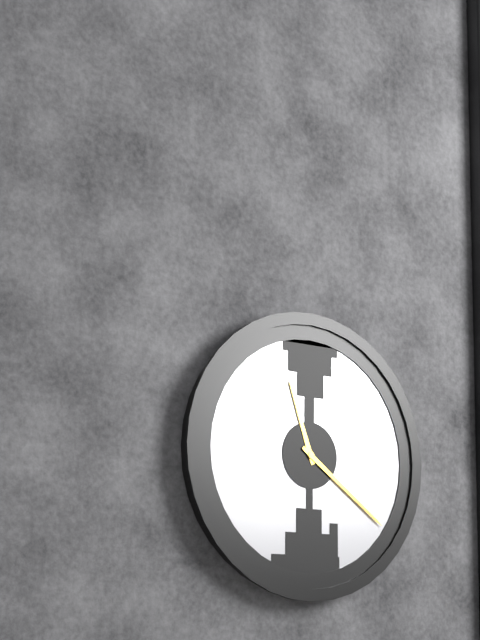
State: 11:21
